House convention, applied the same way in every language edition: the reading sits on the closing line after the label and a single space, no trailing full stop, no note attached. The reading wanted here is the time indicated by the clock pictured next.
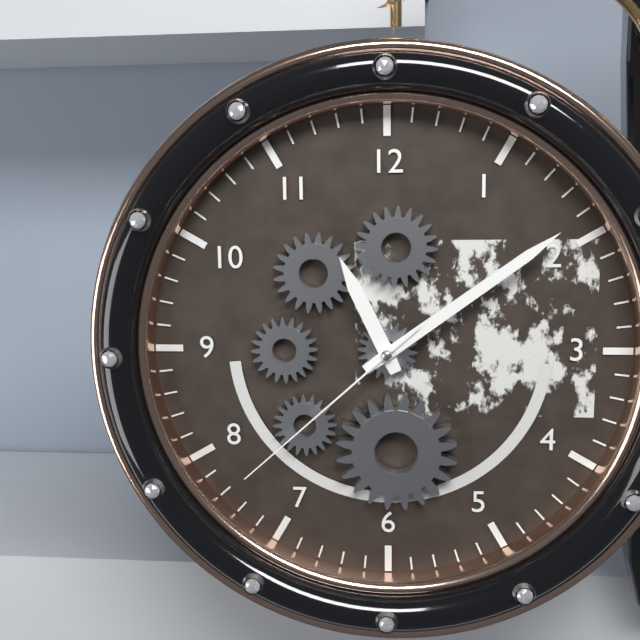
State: 11:09:38
